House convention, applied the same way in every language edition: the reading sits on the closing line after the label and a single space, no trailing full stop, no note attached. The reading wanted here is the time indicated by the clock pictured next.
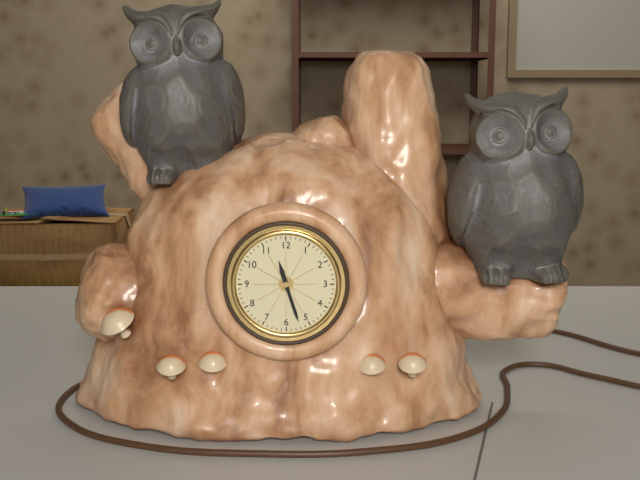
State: 11:27
